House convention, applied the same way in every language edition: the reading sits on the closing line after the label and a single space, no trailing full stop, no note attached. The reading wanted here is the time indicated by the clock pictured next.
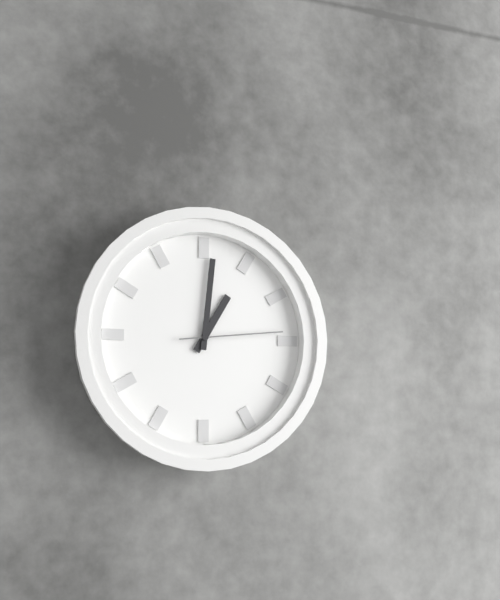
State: 1:01:14
